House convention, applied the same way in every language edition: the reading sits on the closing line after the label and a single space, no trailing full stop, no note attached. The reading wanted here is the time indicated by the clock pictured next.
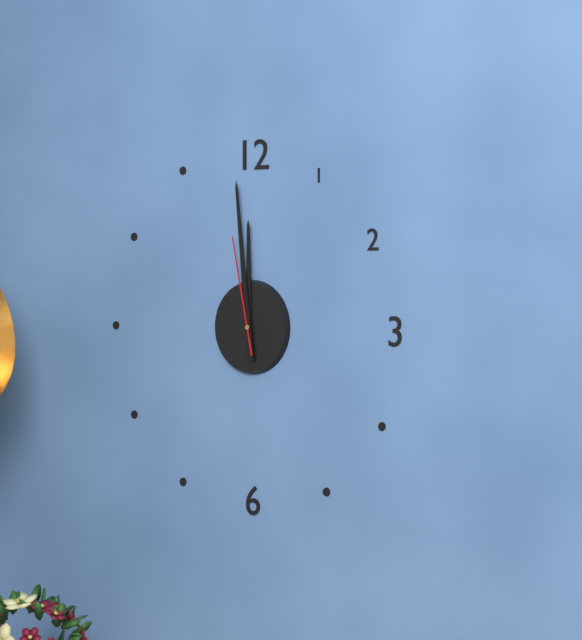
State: 11:59:58
